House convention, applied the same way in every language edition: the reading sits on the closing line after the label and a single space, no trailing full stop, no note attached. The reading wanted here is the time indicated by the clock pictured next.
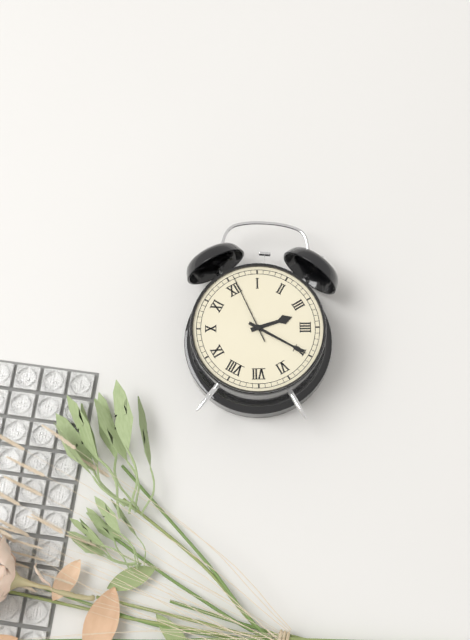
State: 3:25:01
